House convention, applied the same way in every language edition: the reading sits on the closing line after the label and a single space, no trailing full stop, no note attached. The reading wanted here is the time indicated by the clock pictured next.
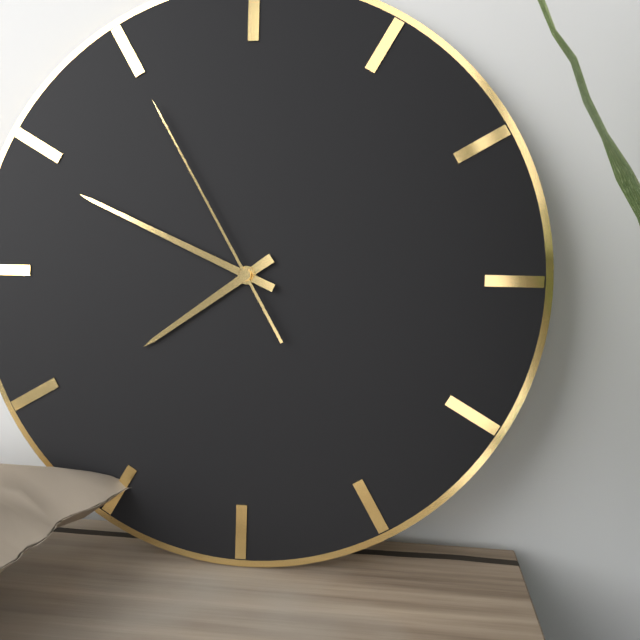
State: 7:49:55
